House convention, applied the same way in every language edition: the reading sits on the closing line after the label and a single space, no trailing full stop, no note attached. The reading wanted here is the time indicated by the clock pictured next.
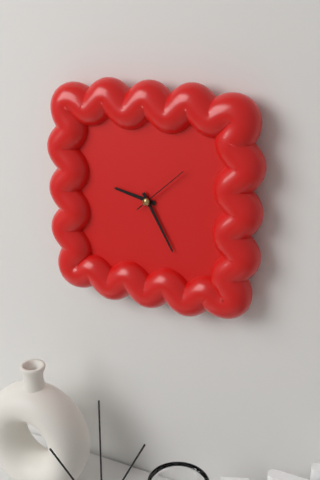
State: 9:25:08
